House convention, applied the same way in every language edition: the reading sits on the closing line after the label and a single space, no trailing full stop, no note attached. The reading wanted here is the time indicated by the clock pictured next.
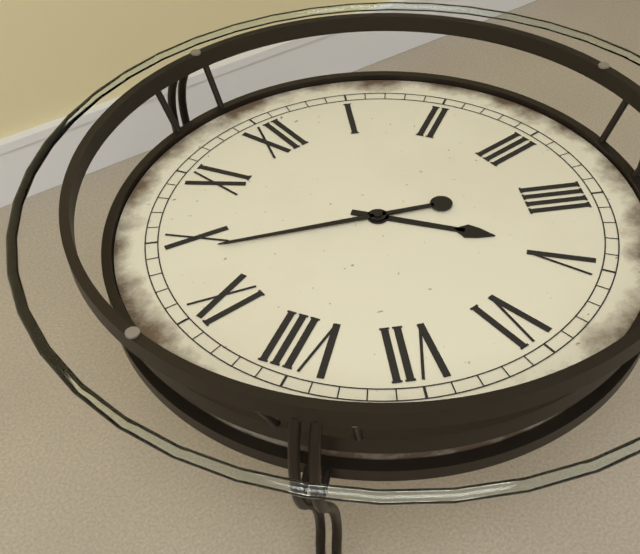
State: 4:49
